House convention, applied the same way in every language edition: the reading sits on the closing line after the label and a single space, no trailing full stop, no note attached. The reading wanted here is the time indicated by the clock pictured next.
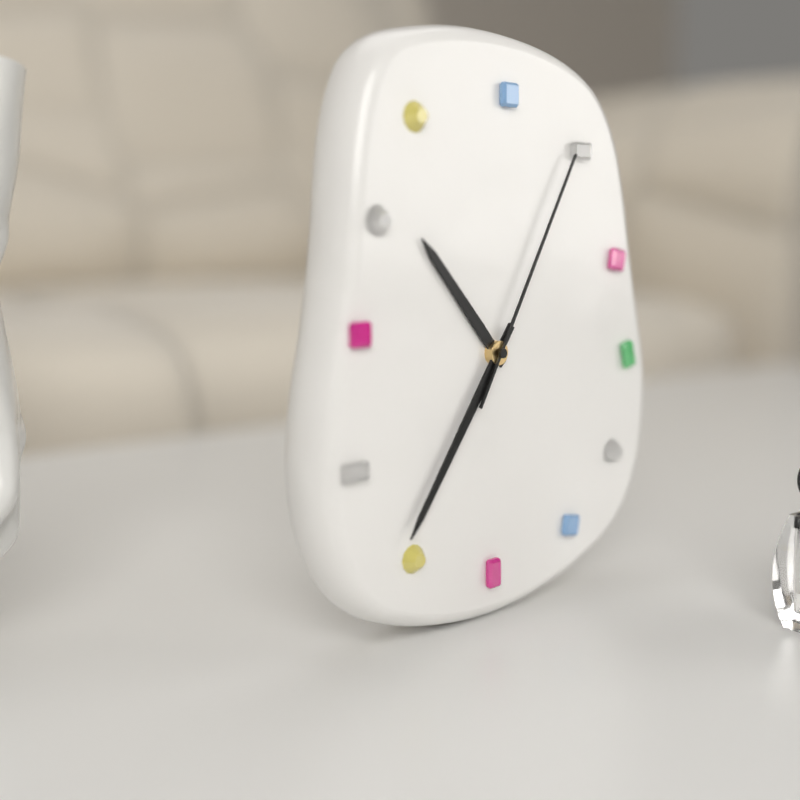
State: 10:36:05
